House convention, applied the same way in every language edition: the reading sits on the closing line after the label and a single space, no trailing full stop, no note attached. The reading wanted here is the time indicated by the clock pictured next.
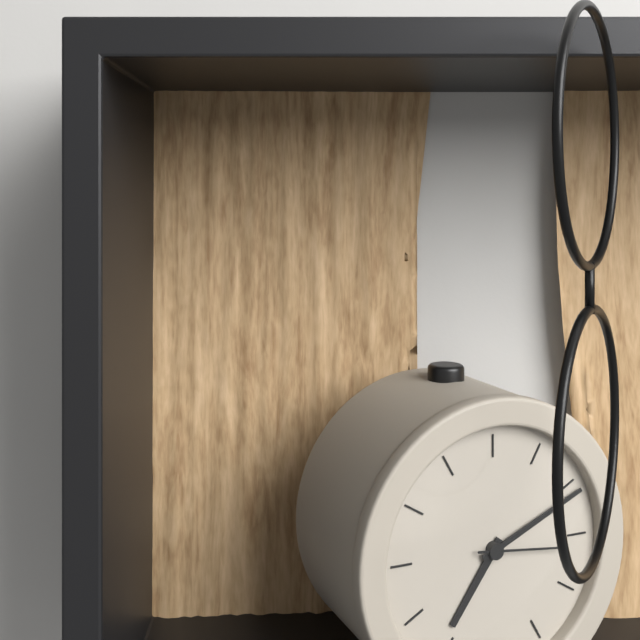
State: 7:11:16
